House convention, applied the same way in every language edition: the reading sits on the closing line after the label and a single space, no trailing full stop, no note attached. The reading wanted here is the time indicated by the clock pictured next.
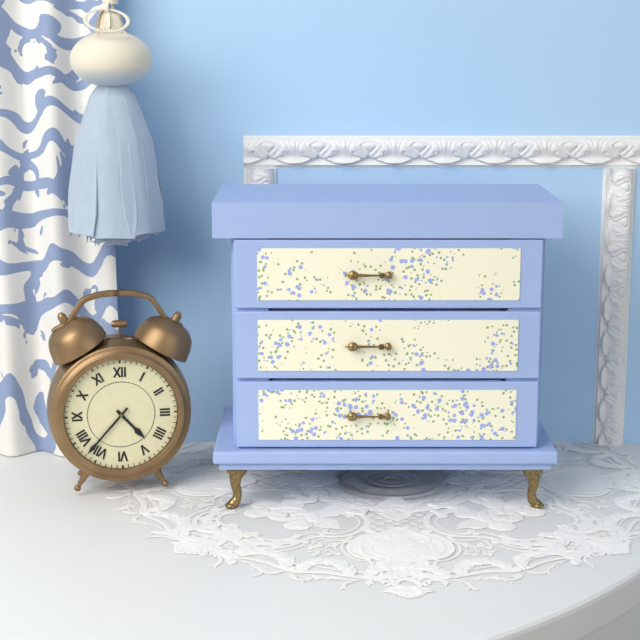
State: 4:37
